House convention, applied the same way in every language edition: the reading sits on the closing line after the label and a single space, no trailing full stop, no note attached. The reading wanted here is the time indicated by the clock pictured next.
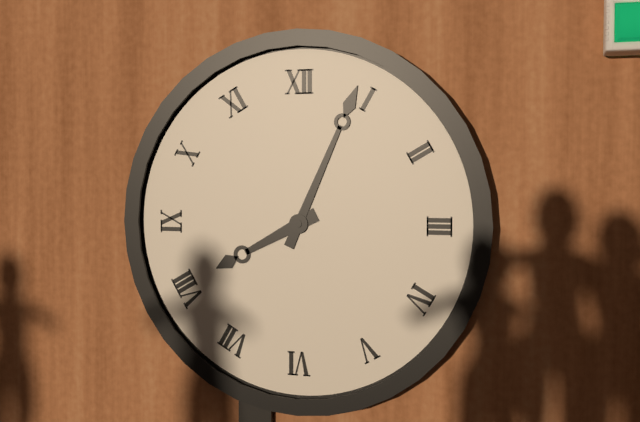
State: 8:04
